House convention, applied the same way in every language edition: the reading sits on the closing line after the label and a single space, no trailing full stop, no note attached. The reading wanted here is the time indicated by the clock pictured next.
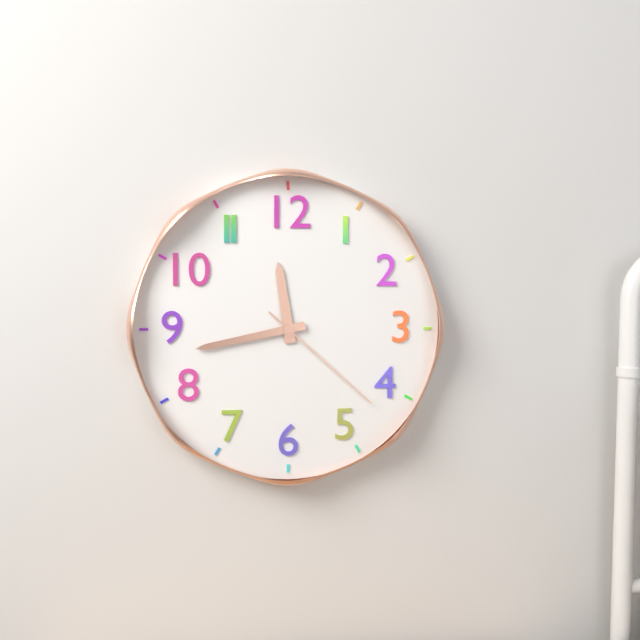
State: 11:43:22
